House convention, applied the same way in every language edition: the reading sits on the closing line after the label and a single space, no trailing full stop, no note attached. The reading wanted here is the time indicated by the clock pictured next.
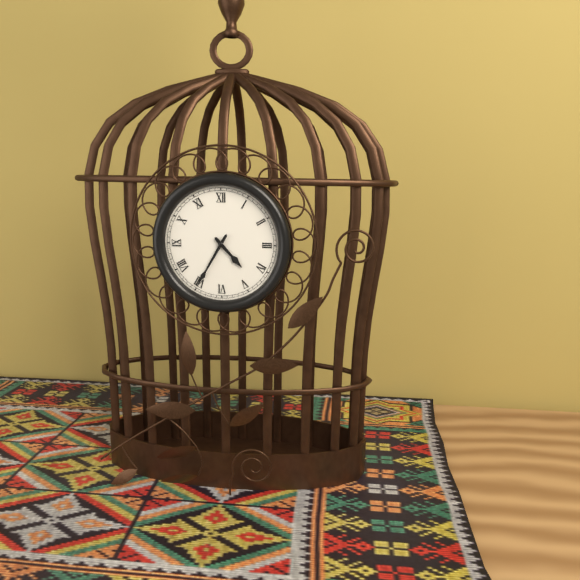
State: 4:35
